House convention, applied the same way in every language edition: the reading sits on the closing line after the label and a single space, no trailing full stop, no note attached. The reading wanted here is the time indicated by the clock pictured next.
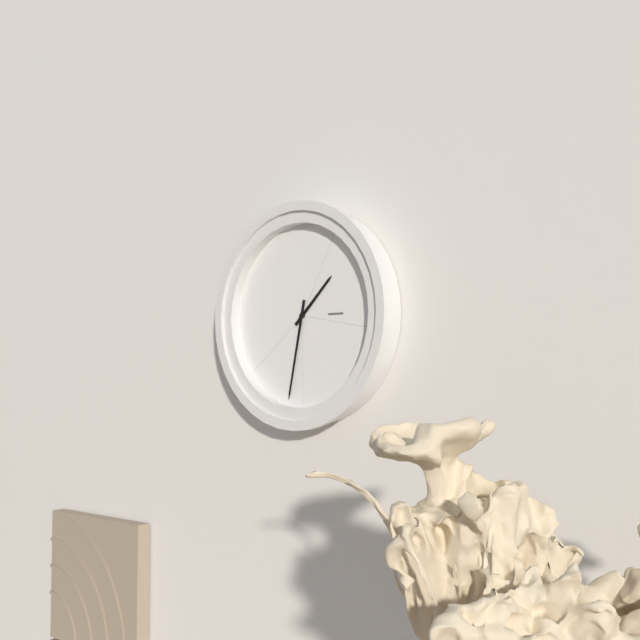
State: 1:32
